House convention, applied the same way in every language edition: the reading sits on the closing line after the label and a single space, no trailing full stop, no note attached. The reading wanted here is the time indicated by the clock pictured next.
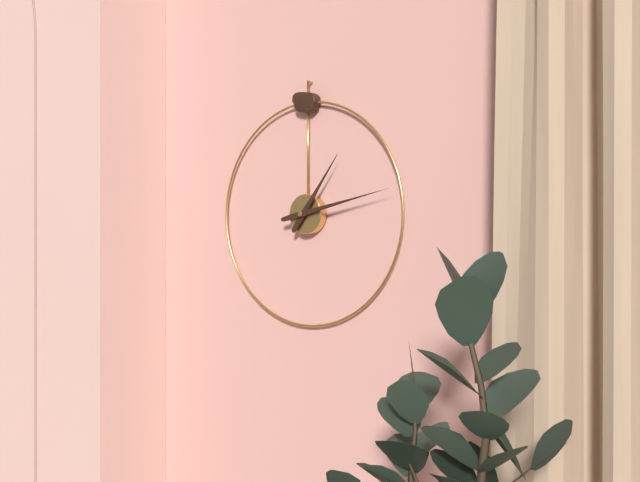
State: 1:13
